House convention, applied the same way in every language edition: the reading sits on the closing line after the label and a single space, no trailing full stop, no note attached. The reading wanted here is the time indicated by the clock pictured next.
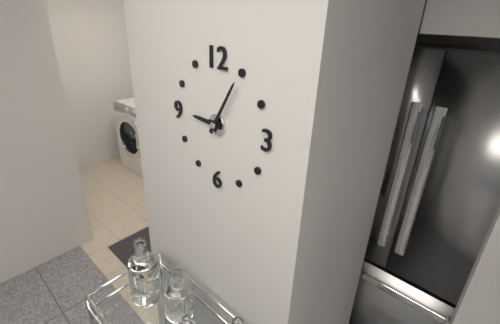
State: 9:05
